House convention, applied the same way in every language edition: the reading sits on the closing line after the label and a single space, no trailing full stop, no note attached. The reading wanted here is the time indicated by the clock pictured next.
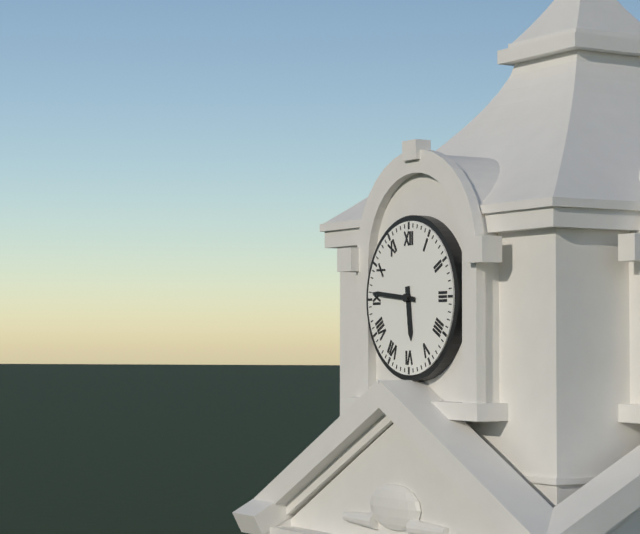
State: 5:46
